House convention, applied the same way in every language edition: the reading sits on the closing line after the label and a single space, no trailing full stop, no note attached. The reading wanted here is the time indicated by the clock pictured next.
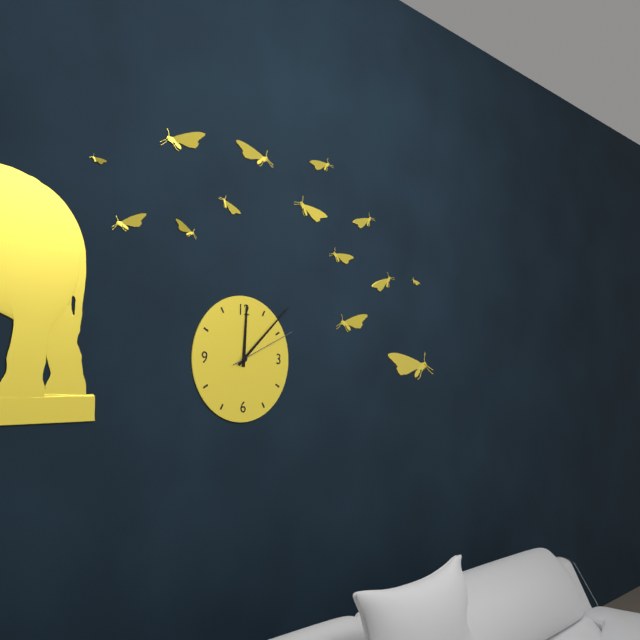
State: 12:08:11
